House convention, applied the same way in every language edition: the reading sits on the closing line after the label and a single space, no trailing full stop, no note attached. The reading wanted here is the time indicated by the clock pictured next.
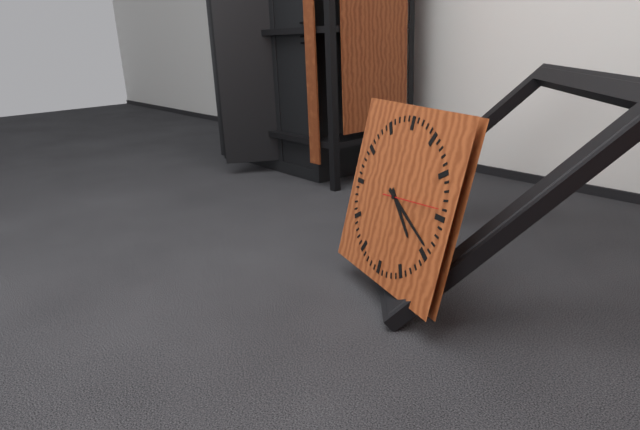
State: 4:19:14
